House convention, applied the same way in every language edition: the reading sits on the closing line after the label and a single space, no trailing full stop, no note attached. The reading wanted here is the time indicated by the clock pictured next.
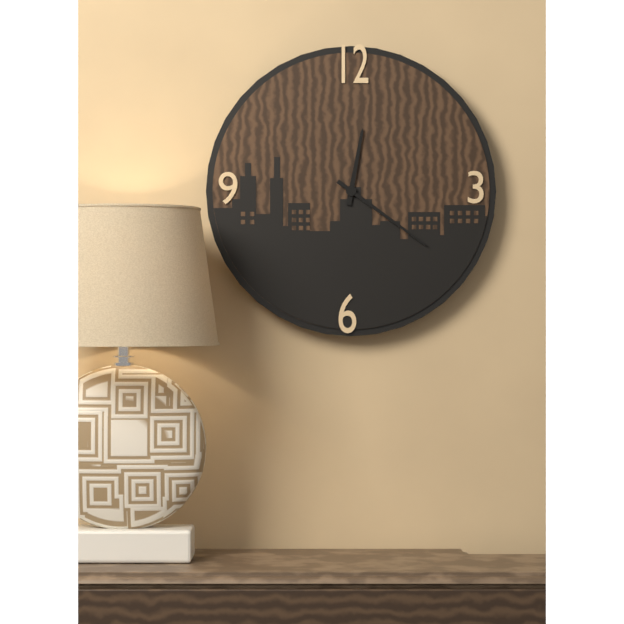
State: 12:21
